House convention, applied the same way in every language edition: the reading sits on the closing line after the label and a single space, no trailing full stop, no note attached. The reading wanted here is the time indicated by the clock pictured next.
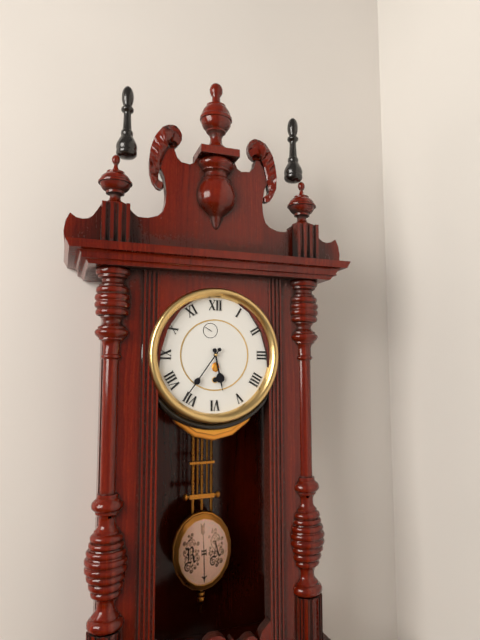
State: 5:36
